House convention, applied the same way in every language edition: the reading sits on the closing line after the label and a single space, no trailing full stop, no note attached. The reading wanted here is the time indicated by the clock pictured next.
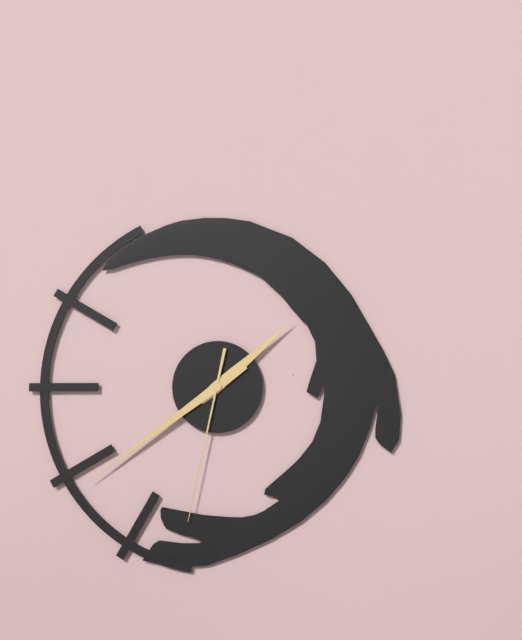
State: 1:39:32
